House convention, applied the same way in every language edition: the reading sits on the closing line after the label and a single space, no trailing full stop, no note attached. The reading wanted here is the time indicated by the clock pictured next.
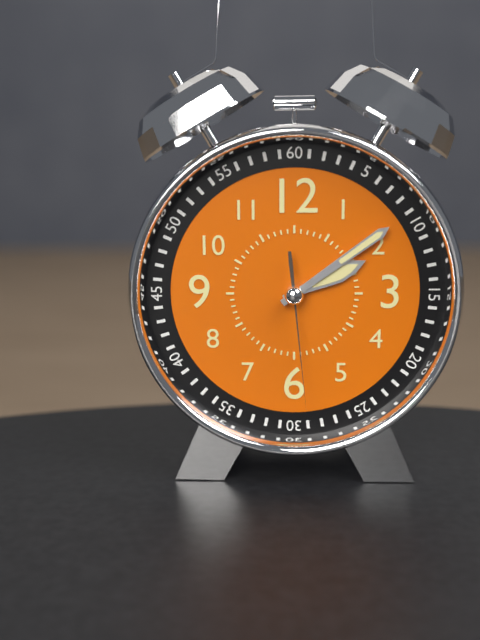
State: 2:09:29
